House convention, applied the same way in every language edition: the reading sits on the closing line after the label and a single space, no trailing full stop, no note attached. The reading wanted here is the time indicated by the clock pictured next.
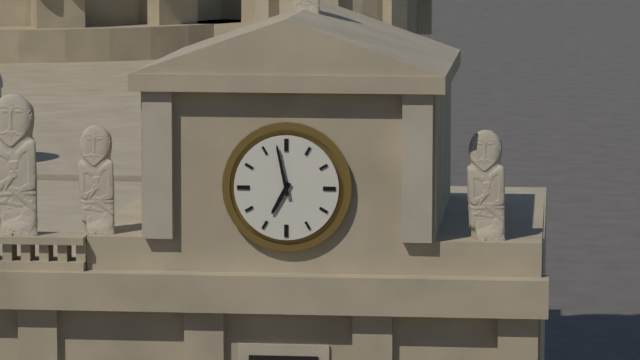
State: 6:58
